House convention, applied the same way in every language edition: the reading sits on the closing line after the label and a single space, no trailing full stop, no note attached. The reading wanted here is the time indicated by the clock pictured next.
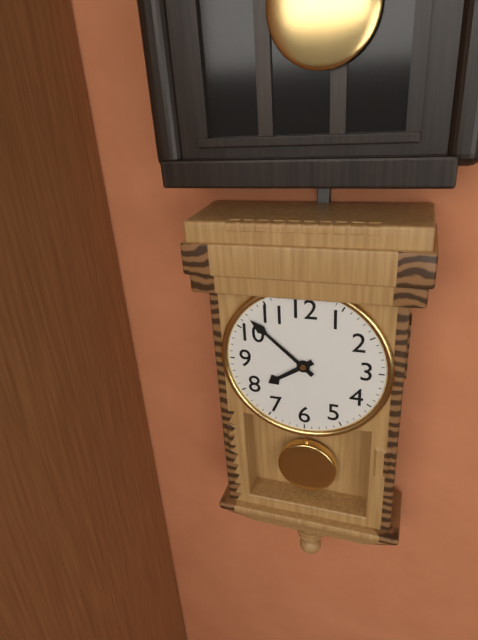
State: 7:52
